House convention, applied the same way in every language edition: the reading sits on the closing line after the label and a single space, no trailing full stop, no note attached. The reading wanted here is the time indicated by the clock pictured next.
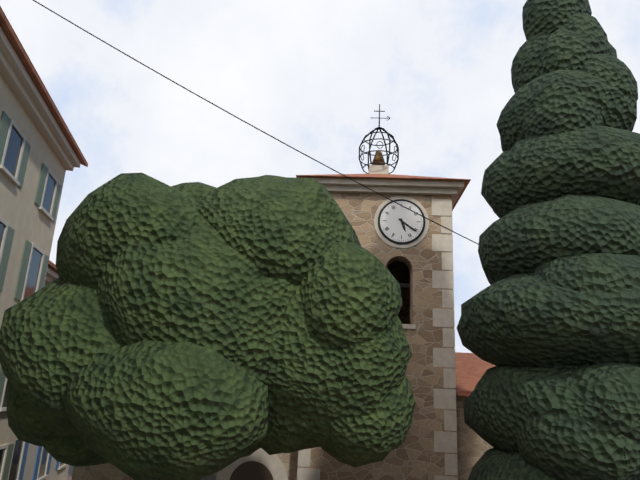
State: 5:21
